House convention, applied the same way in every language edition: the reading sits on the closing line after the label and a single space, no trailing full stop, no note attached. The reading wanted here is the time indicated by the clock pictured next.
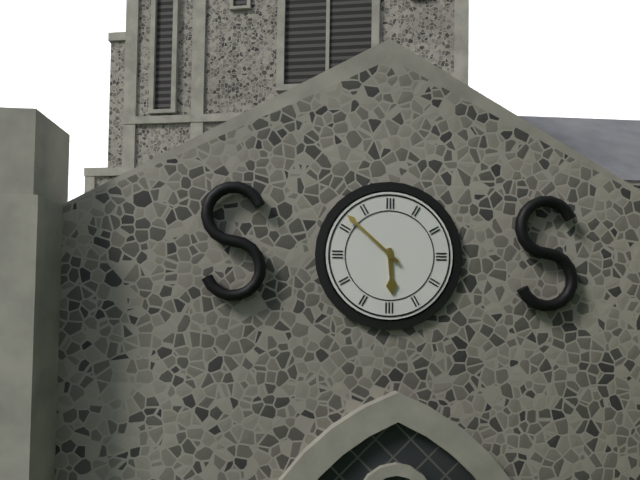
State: 5:52
